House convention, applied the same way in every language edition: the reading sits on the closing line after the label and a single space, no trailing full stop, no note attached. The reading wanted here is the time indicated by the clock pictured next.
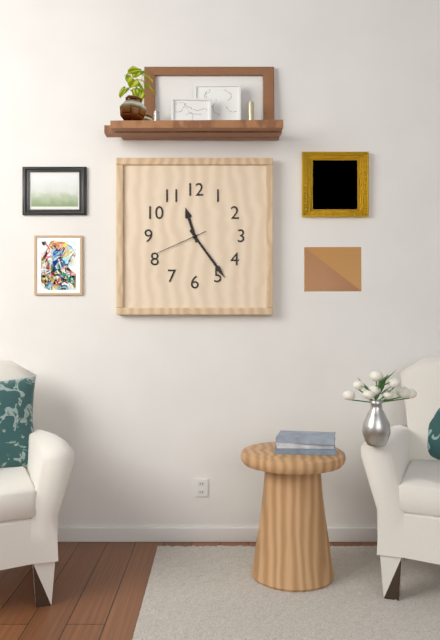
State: 11:24:41
